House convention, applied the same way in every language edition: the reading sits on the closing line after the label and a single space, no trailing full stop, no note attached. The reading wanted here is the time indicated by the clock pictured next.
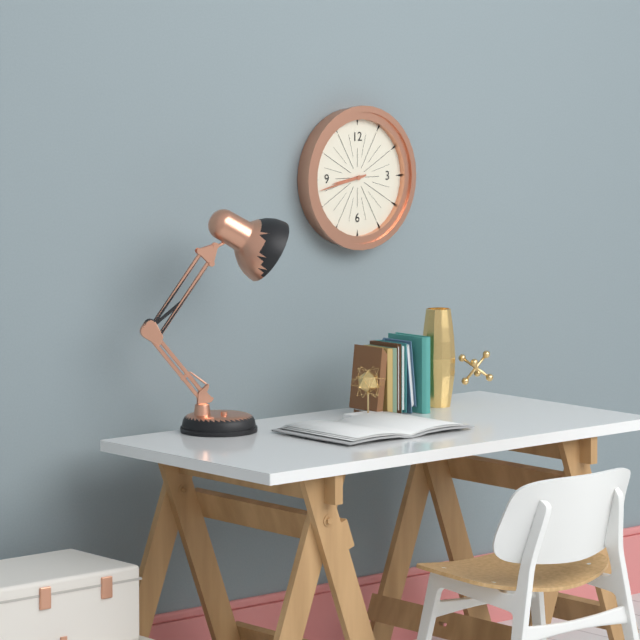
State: 8:43
